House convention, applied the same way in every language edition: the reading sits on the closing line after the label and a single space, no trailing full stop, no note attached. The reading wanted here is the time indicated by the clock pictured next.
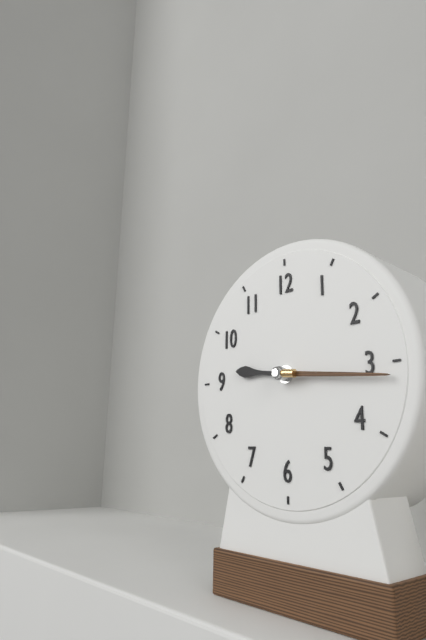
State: 9:16
